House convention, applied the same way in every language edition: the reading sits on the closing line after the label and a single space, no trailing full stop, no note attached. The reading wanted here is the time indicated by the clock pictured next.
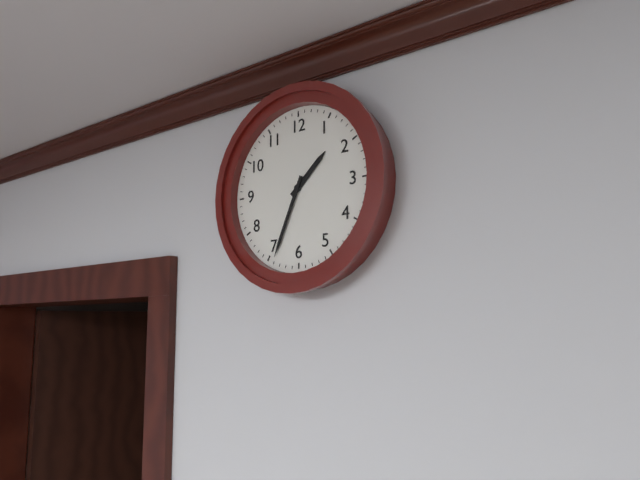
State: 1:34
